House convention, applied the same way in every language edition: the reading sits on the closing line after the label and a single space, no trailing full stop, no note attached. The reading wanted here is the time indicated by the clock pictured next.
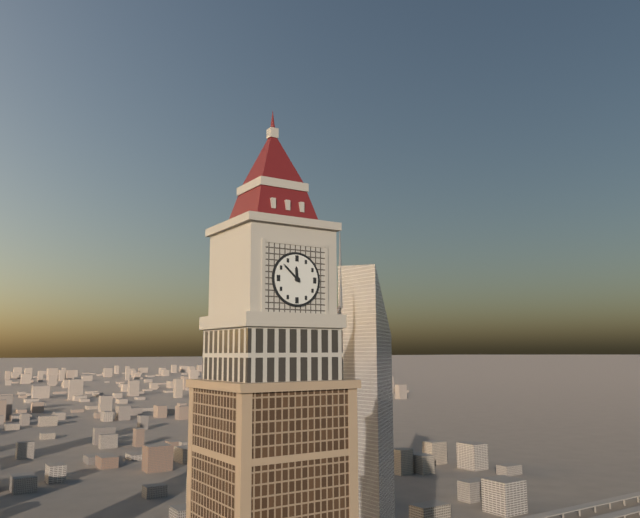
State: 11:52
